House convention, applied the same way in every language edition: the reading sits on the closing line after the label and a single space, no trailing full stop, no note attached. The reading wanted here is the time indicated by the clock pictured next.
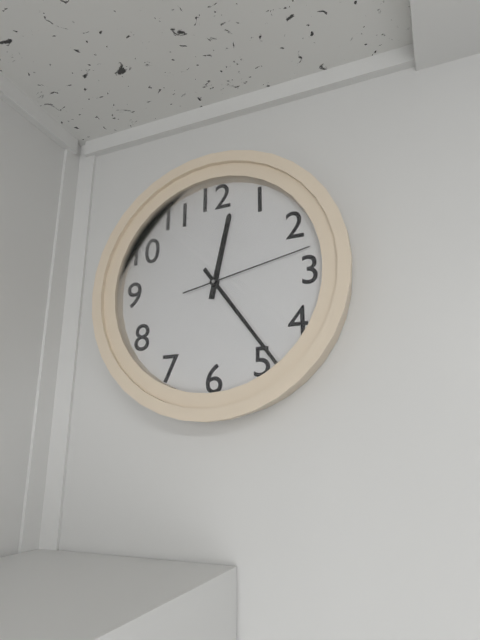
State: 12:24:13
